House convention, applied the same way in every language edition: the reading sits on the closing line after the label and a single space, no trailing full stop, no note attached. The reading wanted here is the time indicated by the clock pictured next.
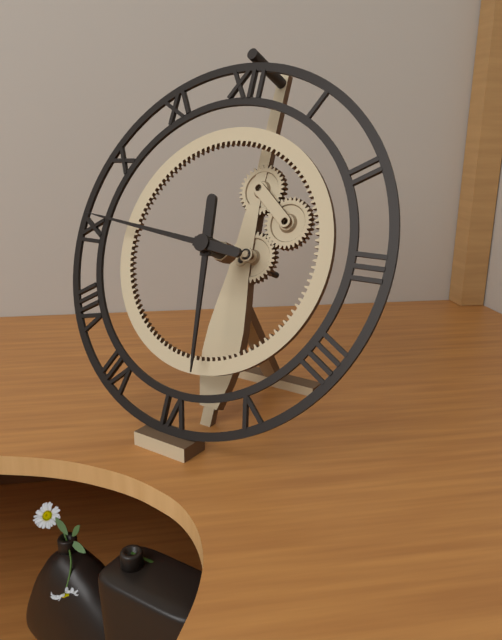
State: 5:46
